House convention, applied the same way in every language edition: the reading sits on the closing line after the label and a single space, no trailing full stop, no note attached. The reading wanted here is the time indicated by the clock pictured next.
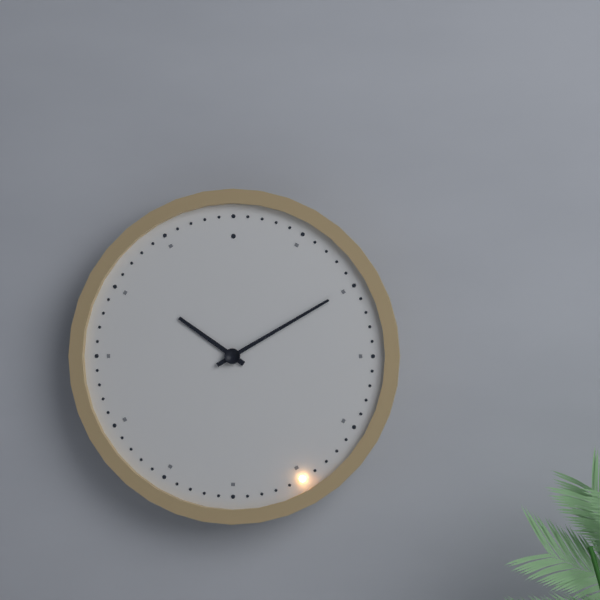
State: 10:10
